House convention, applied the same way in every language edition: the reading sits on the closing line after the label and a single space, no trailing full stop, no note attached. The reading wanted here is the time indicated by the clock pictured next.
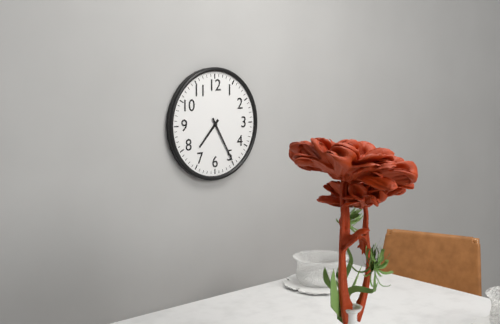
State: 7:25
